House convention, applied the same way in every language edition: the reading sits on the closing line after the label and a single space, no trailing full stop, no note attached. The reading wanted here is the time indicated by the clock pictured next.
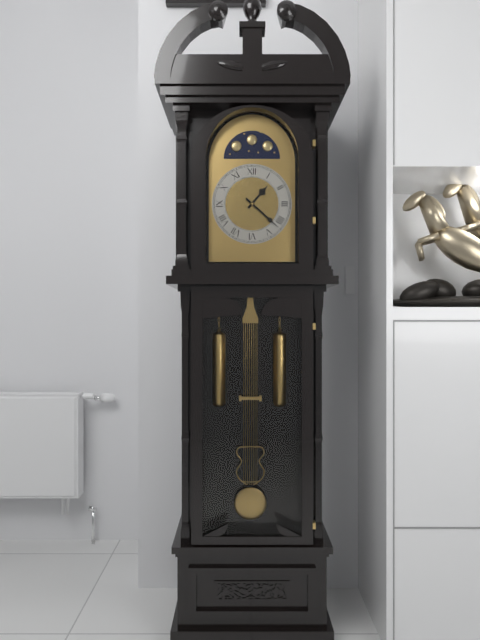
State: 1:22
